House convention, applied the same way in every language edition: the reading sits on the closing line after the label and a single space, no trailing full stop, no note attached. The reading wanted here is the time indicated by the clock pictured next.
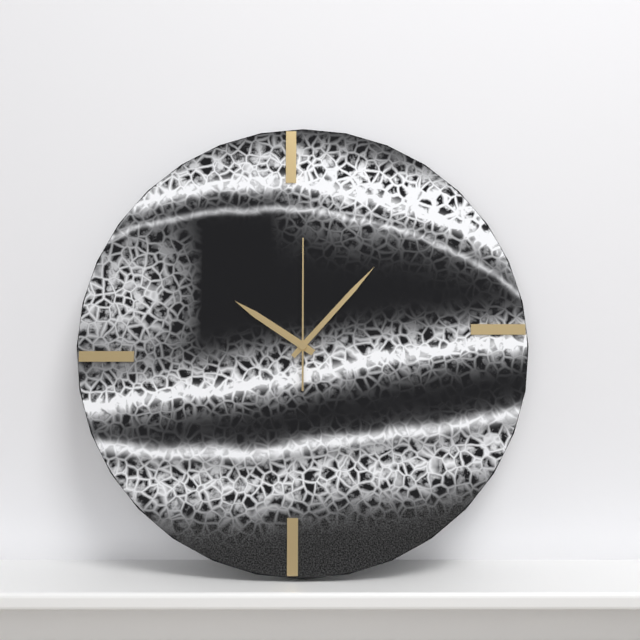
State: 10:07:00
